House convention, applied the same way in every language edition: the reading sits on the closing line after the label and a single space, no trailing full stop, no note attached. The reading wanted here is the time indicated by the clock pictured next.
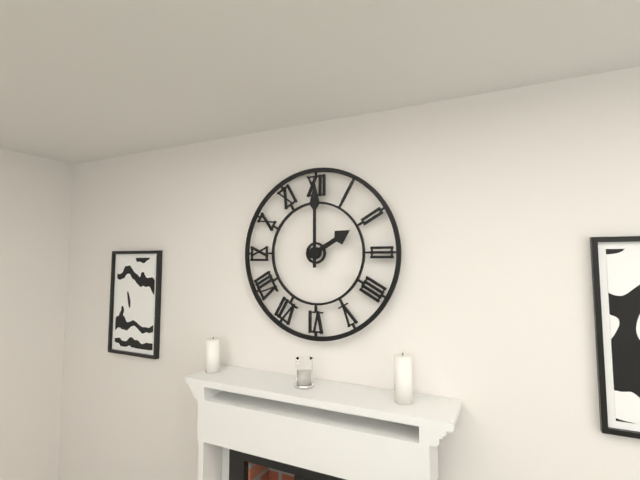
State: 2:00
